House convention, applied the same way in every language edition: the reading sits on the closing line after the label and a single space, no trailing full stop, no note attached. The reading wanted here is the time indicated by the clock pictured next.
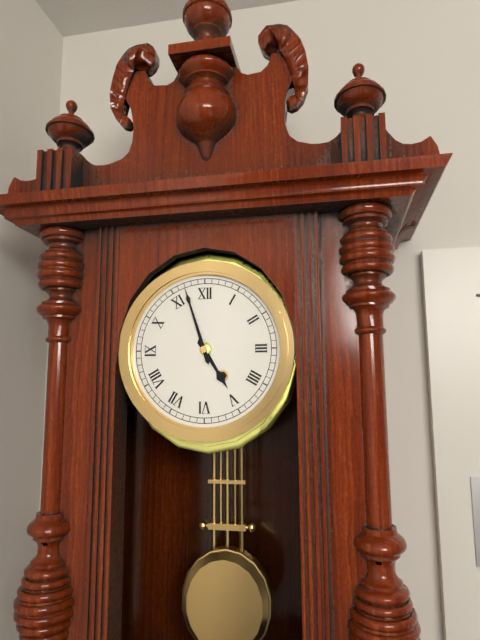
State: 4:57
